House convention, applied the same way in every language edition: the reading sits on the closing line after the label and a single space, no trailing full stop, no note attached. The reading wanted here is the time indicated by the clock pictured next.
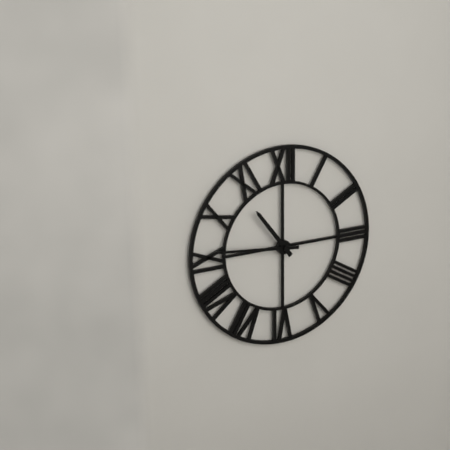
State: 10:46
